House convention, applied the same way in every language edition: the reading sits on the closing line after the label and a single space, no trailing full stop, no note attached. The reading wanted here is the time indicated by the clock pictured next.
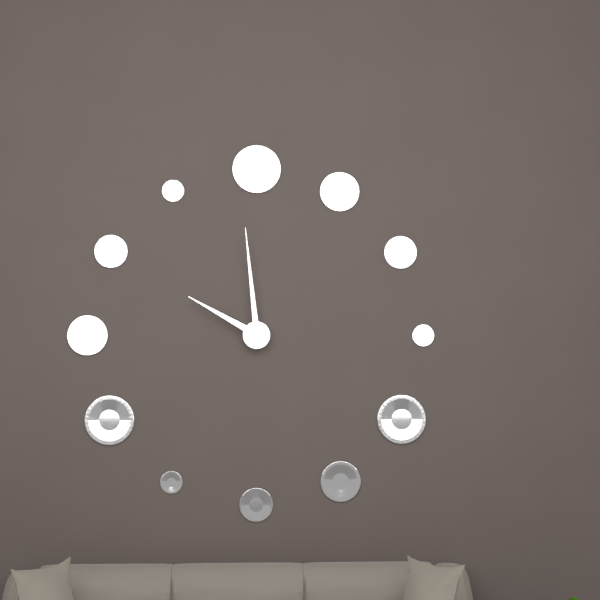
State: 9:59
